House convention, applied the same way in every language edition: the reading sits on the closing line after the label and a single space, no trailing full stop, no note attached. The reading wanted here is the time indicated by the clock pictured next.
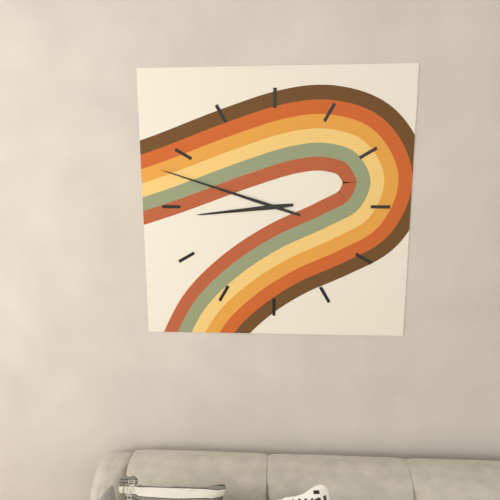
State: 8:48
